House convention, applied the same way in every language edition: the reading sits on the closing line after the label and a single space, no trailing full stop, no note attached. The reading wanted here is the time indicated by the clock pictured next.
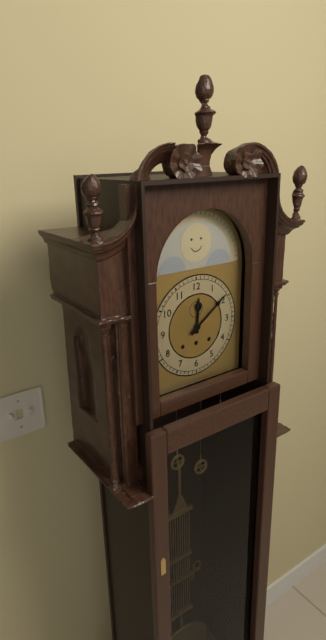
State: 12:09
